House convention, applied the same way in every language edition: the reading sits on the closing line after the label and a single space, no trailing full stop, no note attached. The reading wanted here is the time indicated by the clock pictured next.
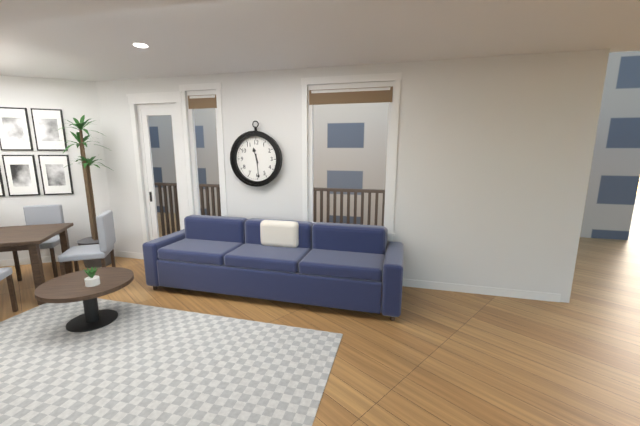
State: 11:29
